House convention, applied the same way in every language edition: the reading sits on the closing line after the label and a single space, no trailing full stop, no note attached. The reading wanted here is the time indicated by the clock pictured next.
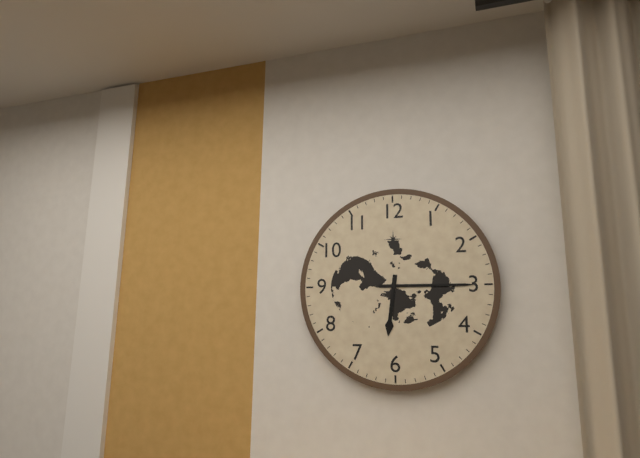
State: 6:15
